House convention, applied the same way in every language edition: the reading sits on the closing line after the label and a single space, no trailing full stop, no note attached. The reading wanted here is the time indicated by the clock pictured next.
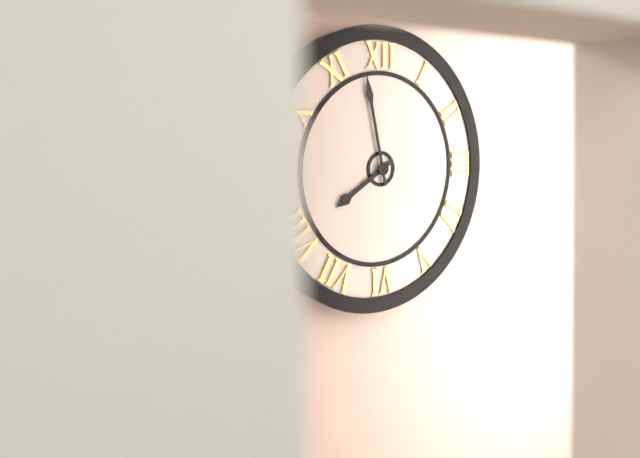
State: 7:58
